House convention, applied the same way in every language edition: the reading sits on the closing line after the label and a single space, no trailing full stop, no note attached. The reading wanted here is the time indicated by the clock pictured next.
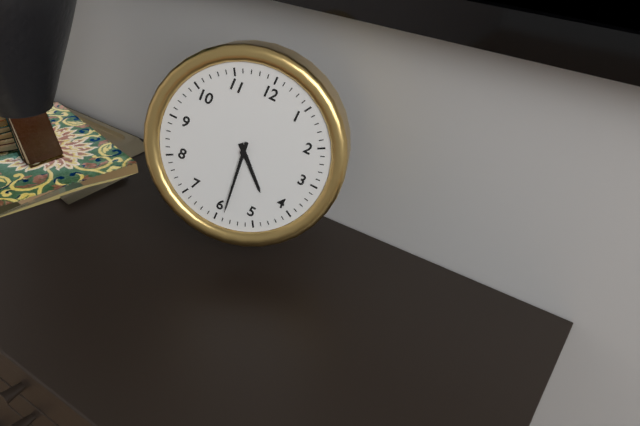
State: 4:29
